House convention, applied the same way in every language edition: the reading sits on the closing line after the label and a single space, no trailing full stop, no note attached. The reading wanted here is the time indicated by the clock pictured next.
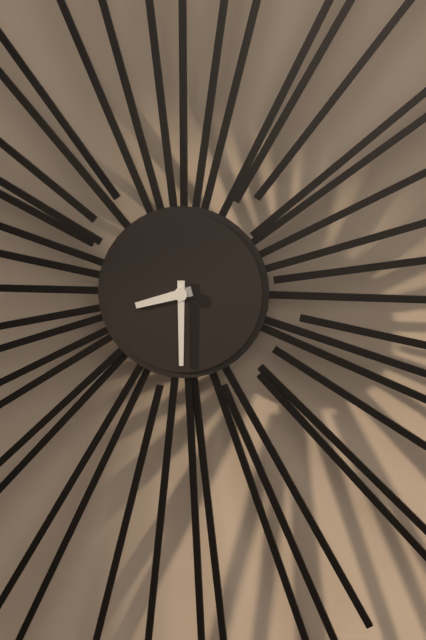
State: 8:30
